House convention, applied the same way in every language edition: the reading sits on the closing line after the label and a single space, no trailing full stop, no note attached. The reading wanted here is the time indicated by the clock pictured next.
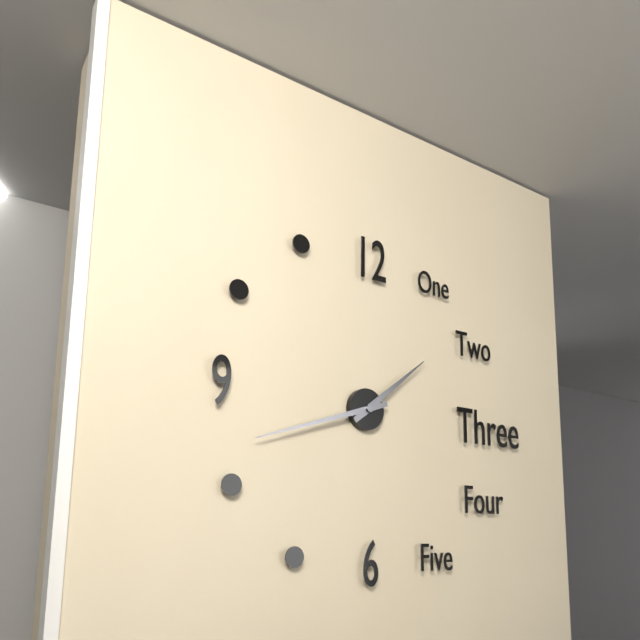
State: 1:42
